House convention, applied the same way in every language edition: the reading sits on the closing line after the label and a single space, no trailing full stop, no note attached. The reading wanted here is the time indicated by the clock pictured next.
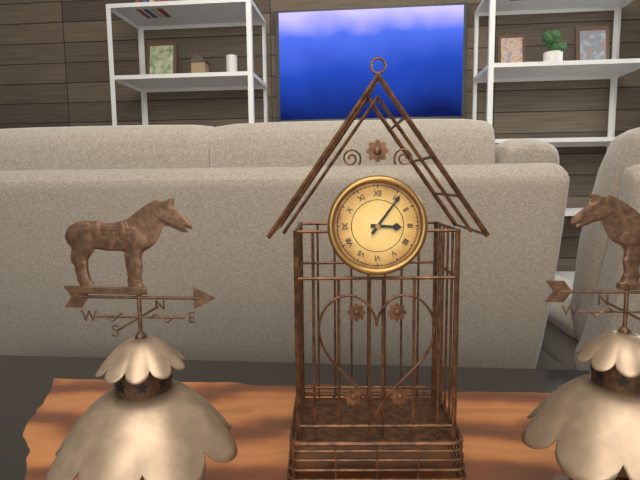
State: 3:06
